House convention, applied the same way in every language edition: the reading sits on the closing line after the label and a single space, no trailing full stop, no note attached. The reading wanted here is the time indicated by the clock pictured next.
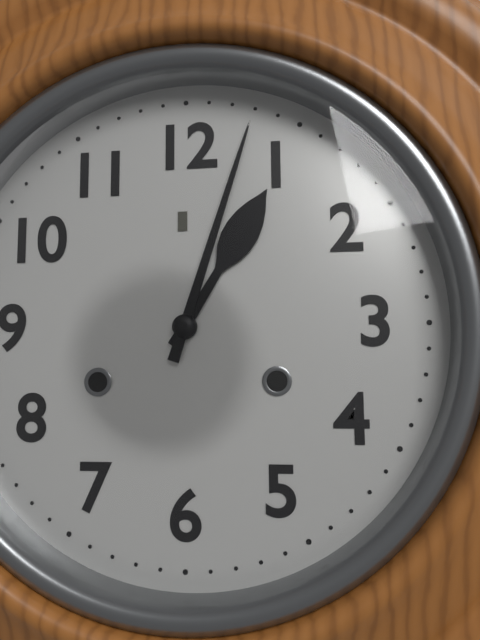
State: 1:03
